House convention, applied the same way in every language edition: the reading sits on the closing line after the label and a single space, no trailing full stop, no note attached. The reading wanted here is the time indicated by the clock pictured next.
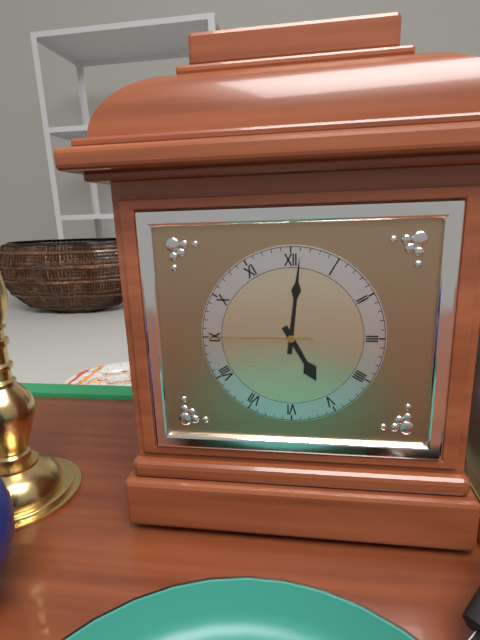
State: 5:01:45
